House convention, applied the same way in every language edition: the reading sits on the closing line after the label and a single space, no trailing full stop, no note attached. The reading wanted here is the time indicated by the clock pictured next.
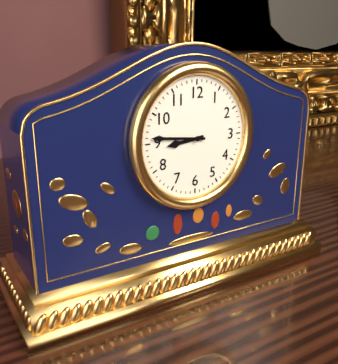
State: 8:46
